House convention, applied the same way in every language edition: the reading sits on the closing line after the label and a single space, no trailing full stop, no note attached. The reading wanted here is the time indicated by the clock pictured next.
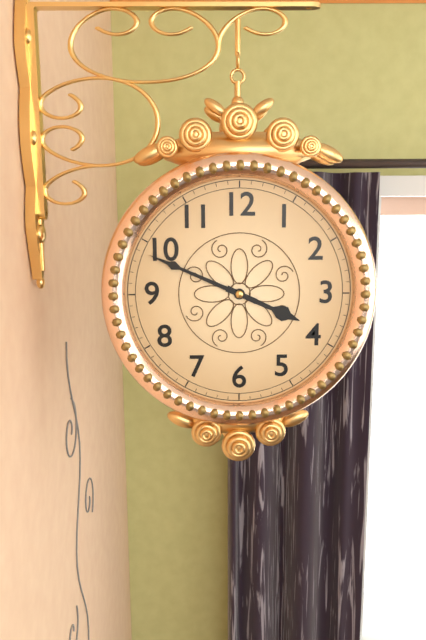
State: 3:49
